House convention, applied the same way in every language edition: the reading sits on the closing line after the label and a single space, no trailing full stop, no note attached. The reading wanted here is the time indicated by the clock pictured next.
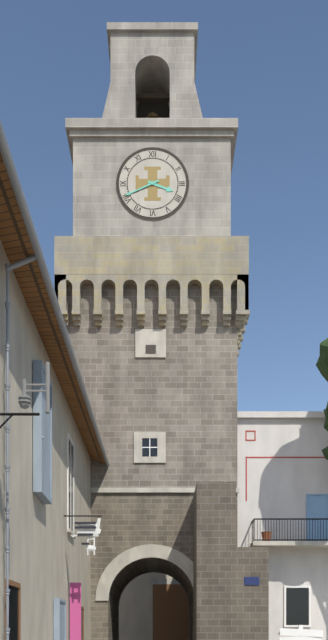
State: 3:41
